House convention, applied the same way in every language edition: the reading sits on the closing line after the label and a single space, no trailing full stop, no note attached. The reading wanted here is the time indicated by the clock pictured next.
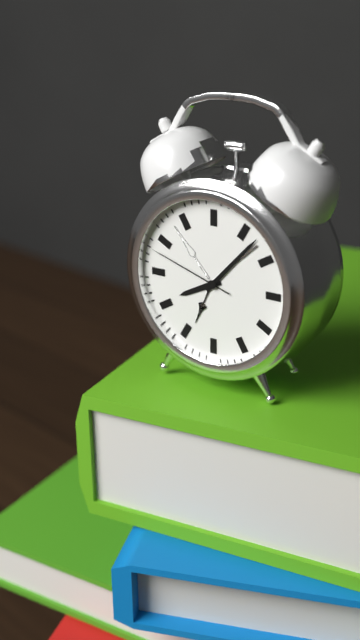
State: 8:07:48
